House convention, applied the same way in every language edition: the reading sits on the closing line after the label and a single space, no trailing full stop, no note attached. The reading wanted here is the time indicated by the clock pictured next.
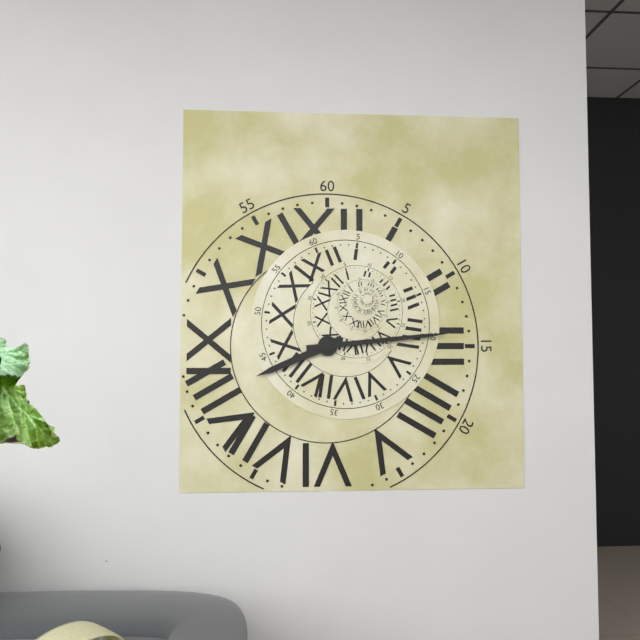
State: 8:14
